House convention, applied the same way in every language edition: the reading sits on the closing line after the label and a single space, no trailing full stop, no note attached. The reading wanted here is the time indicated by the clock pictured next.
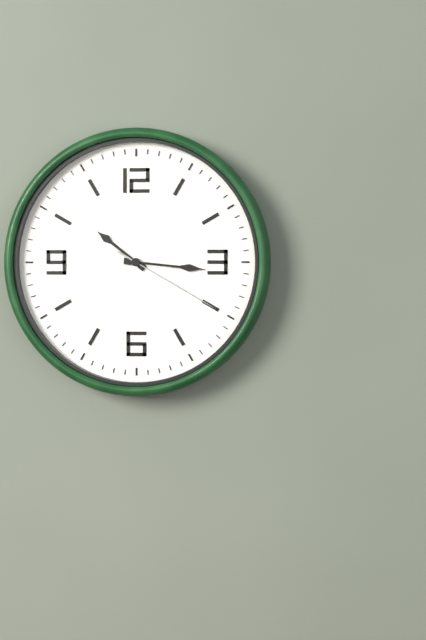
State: 10:16:20
